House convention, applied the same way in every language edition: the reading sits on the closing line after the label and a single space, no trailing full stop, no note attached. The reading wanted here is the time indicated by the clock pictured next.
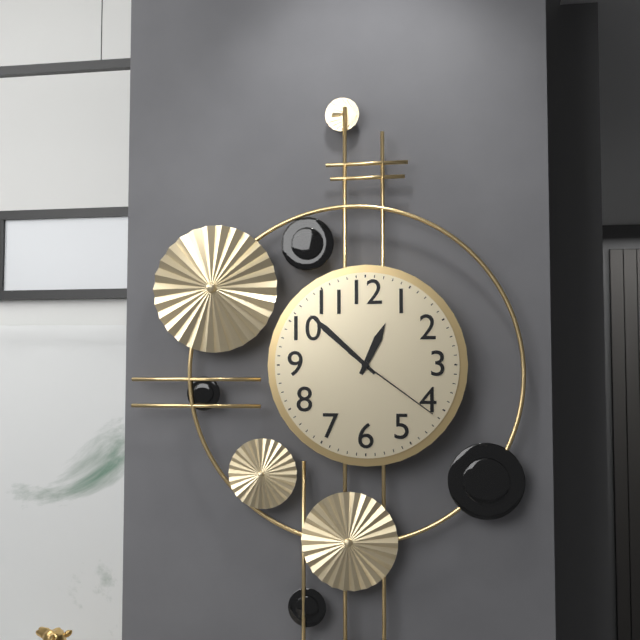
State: 12:52:21
